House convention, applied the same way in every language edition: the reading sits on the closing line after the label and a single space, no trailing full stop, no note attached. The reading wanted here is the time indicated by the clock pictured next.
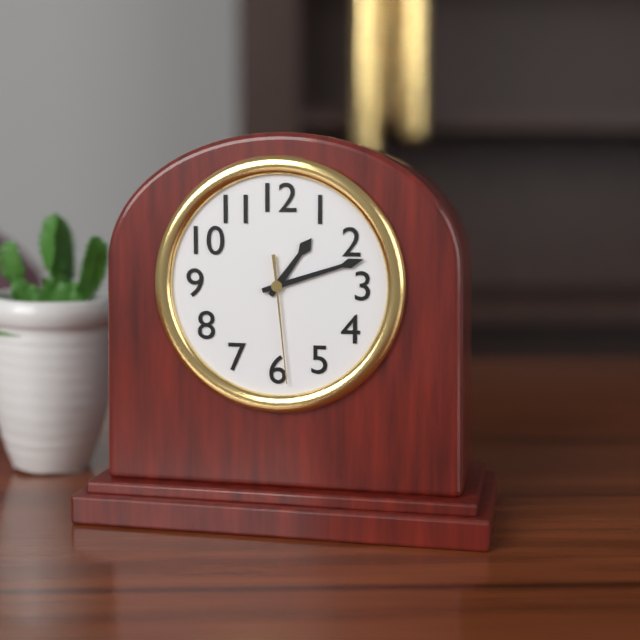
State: 1:12:29
